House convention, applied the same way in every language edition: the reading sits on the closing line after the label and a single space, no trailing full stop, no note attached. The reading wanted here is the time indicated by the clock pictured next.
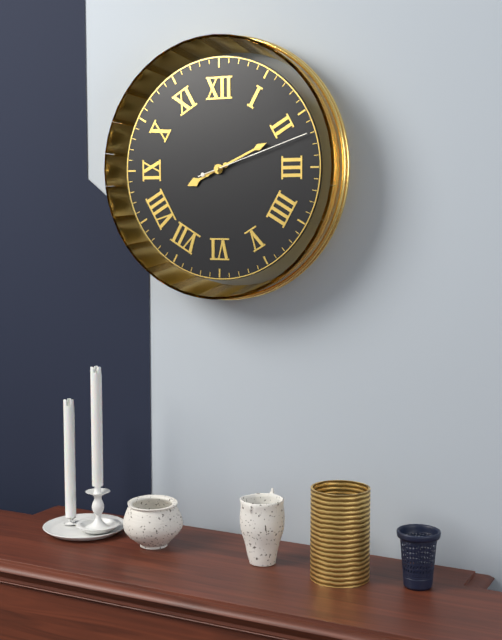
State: 8:11:12
